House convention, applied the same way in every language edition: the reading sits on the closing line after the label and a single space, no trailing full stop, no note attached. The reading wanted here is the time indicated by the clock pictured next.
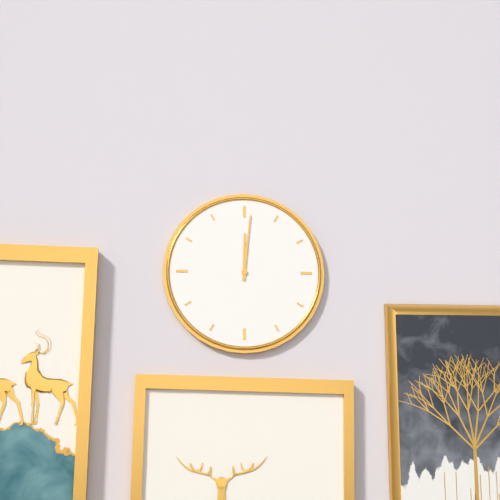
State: 12:01
